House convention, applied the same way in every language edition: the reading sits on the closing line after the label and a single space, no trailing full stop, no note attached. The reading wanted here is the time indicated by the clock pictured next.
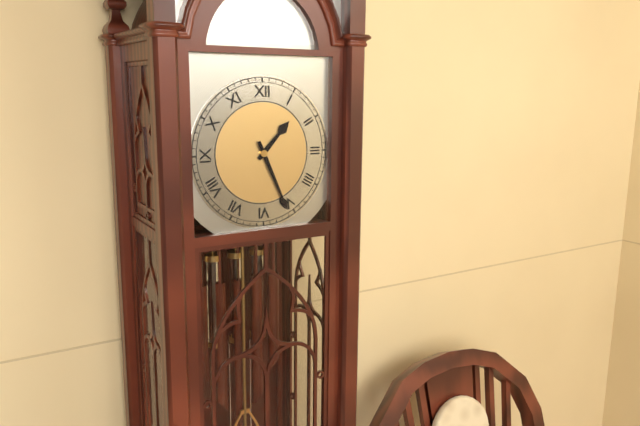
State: 1:26
